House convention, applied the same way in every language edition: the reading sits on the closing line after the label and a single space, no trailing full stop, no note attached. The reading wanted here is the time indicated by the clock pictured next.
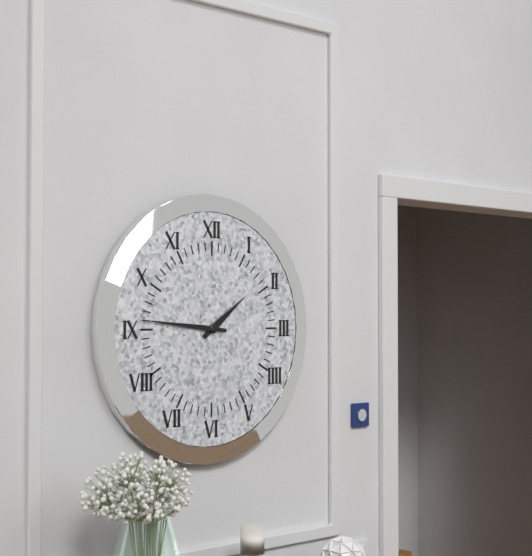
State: 1:46
